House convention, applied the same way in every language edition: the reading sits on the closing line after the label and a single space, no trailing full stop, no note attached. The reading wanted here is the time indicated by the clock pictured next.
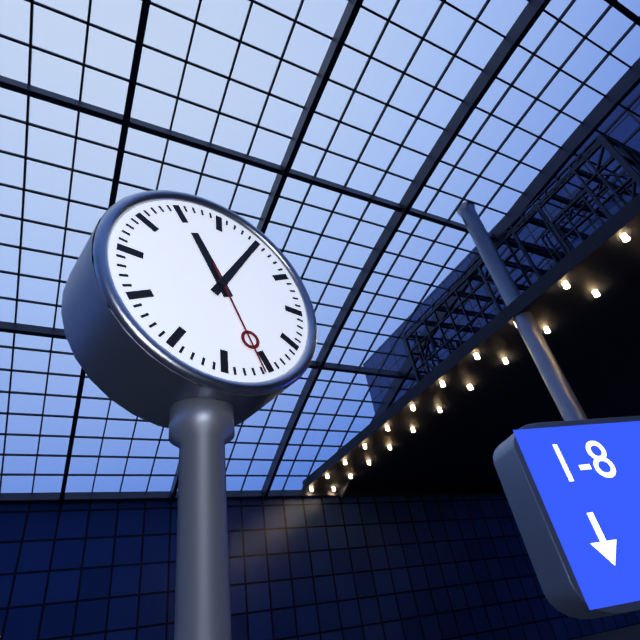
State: 11:05:26
